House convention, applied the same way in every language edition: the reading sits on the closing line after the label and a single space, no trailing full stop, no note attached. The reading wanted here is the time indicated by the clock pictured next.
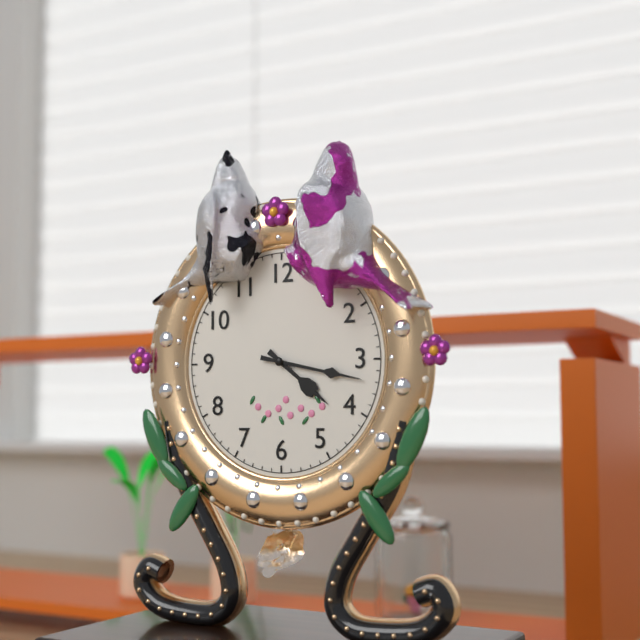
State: 4:17
